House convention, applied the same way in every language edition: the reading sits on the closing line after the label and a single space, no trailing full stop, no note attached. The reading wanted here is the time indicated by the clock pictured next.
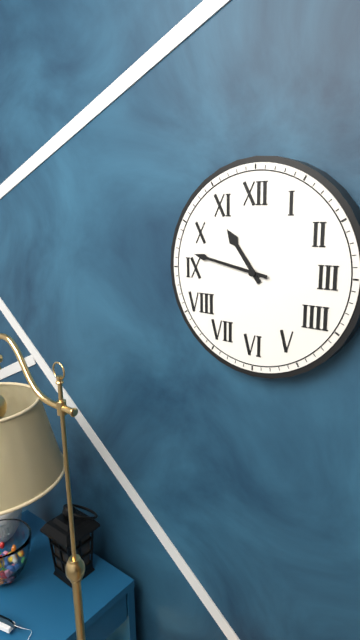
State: 10:47
